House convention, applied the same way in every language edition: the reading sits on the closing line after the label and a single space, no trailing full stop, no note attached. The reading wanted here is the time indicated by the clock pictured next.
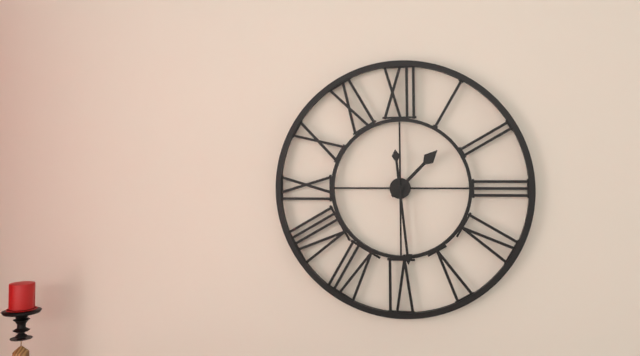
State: 1:29
